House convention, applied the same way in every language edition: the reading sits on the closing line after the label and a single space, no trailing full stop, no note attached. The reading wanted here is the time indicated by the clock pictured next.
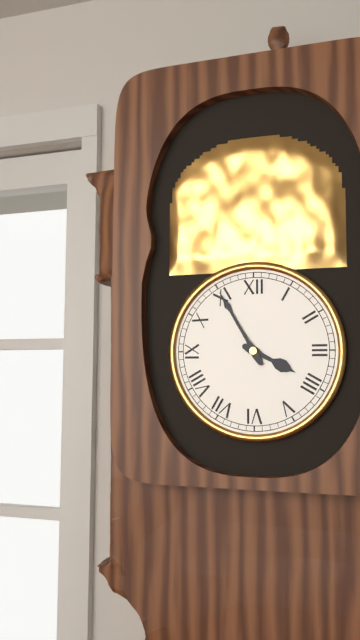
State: 3:55
